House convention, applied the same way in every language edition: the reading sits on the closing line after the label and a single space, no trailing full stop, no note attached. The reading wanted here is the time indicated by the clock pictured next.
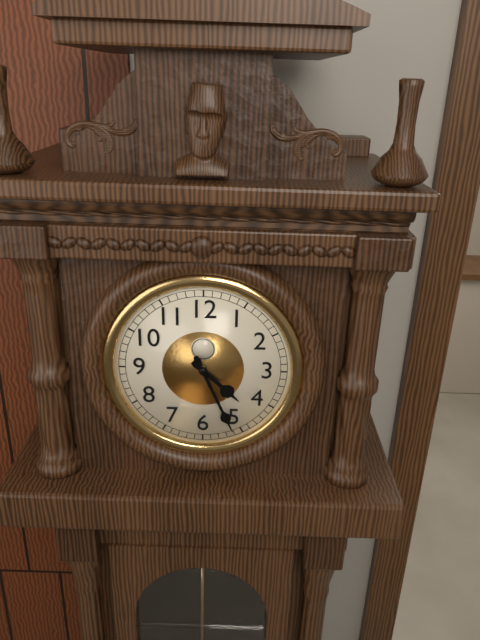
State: 4:26
